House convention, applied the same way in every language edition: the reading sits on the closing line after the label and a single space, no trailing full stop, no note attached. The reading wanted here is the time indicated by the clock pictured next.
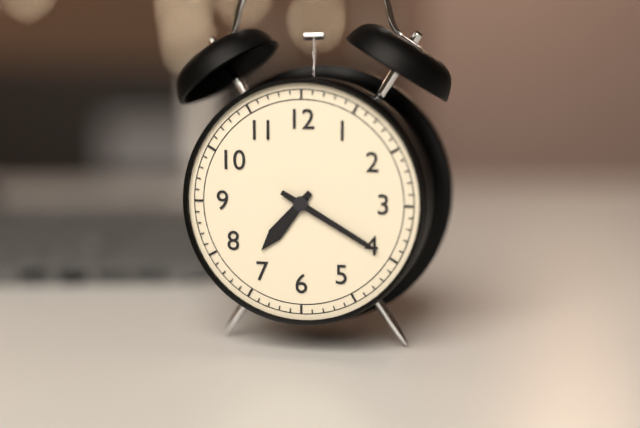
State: 7:20
